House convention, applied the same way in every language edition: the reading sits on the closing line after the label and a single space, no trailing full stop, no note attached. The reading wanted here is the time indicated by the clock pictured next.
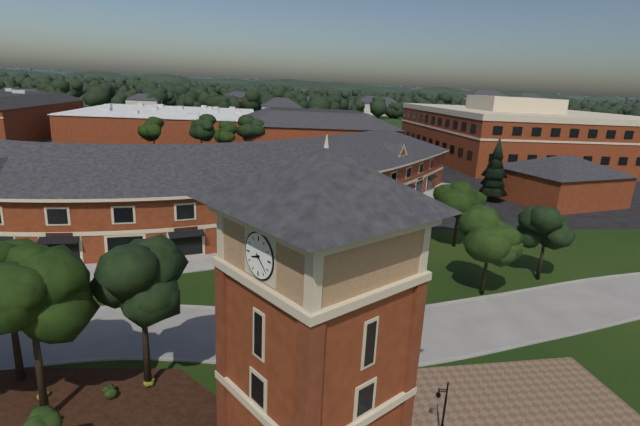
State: 8:22
